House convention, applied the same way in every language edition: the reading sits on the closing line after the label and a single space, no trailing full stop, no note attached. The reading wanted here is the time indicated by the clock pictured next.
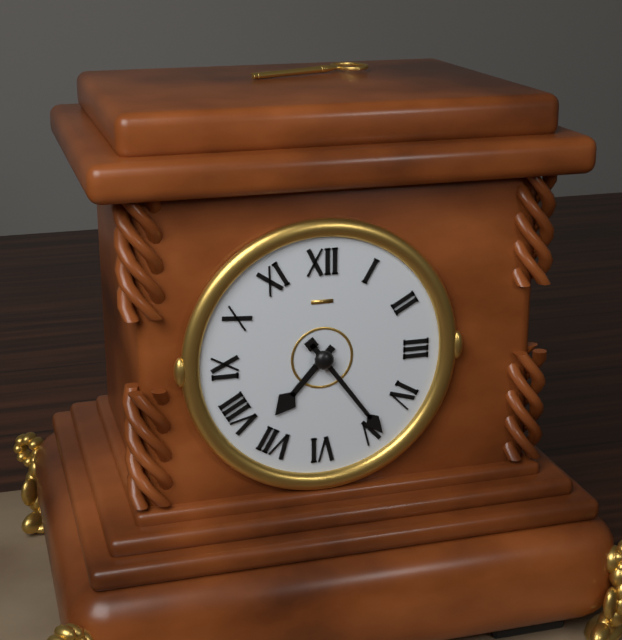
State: 7:24
